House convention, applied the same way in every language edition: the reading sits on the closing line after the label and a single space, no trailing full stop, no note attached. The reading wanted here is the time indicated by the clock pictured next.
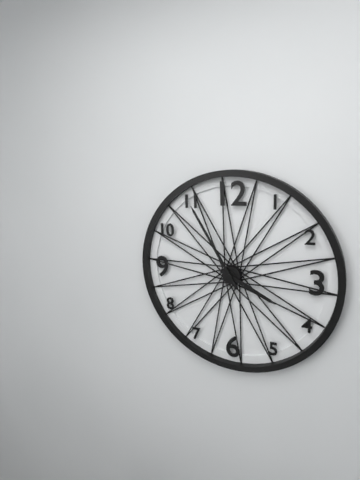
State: 3:55
